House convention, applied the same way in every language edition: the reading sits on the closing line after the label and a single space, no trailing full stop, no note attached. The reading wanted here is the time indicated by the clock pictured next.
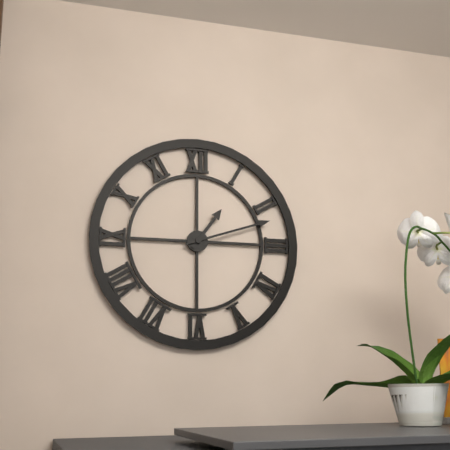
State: 1:12
